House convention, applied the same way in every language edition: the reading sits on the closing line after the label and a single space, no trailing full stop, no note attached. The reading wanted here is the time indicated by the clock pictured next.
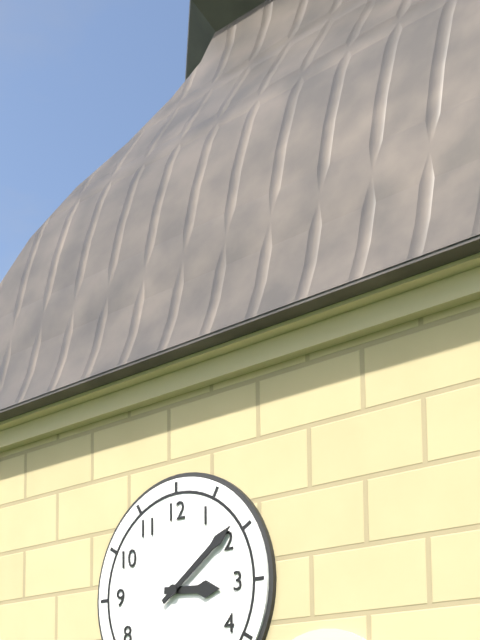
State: 3:09
